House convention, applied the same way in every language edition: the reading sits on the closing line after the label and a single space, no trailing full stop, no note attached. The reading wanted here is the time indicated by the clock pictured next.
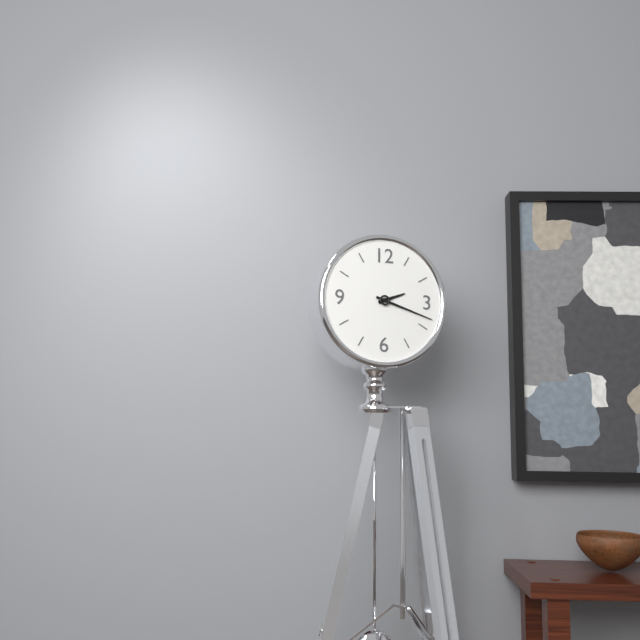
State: 2:18
